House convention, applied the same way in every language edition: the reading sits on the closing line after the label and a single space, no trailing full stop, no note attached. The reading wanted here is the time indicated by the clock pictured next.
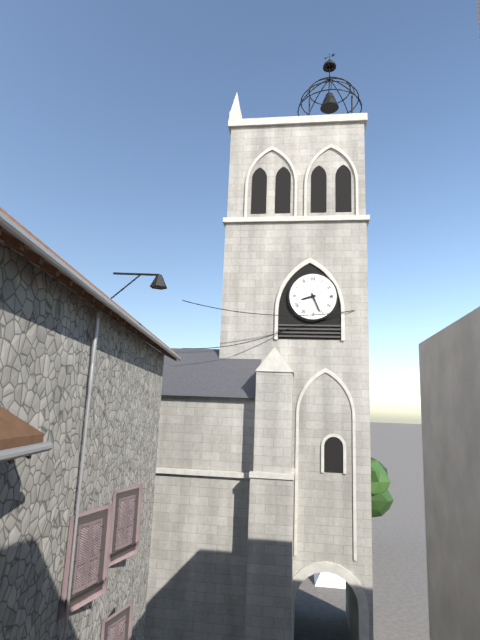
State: 8:26
